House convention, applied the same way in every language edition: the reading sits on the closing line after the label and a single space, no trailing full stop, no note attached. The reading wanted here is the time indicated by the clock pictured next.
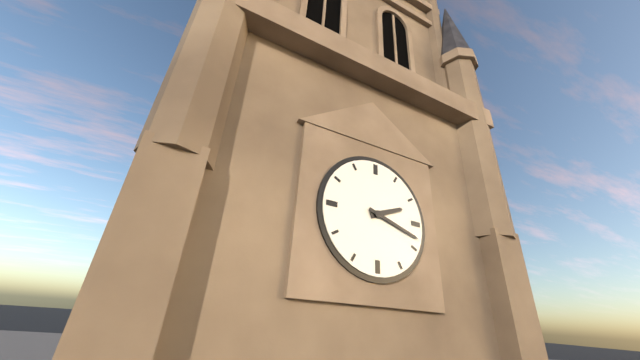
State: 2:18
